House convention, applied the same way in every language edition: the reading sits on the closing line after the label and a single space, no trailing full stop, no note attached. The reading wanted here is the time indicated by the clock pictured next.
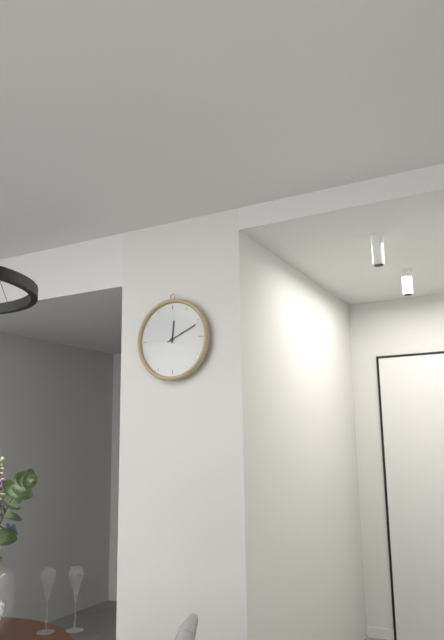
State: 12:11
